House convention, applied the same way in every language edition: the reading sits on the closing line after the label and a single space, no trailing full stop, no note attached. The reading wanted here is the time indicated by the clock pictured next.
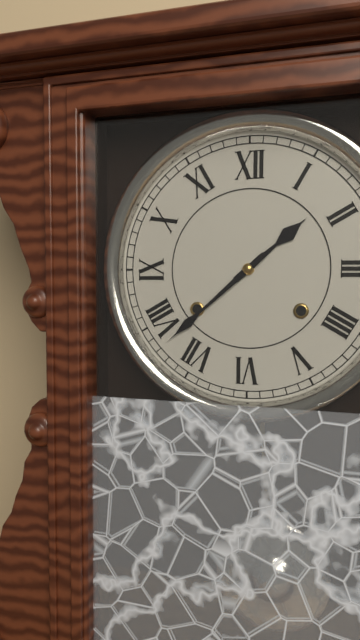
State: 1:38
